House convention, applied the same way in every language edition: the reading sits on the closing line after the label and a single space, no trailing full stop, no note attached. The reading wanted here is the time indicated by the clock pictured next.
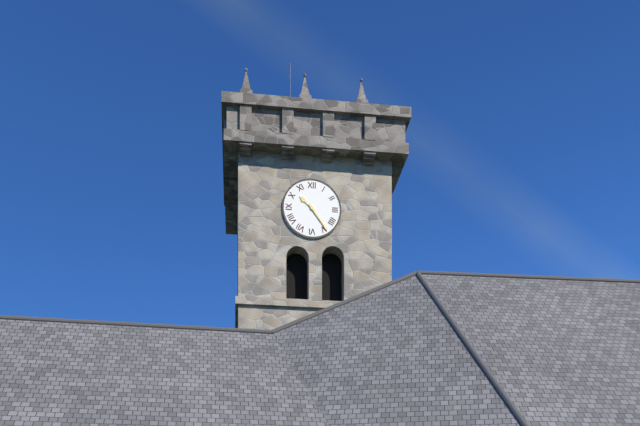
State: 10:24
